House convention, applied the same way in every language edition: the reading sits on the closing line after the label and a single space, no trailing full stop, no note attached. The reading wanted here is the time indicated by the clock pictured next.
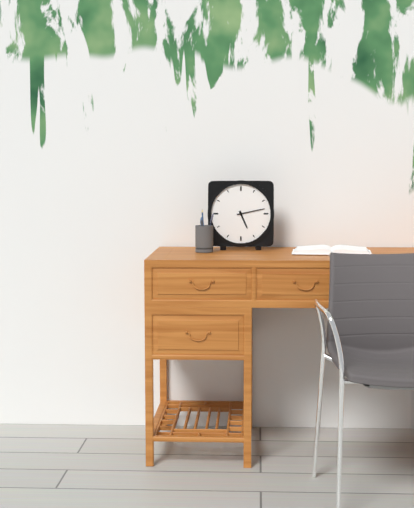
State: 5:13
